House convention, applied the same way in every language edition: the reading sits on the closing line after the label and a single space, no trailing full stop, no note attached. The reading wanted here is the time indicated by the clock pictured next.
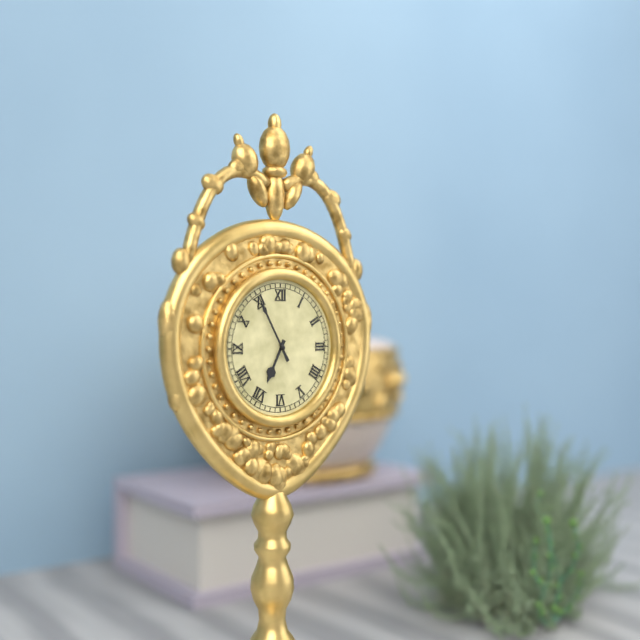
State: 6:55
